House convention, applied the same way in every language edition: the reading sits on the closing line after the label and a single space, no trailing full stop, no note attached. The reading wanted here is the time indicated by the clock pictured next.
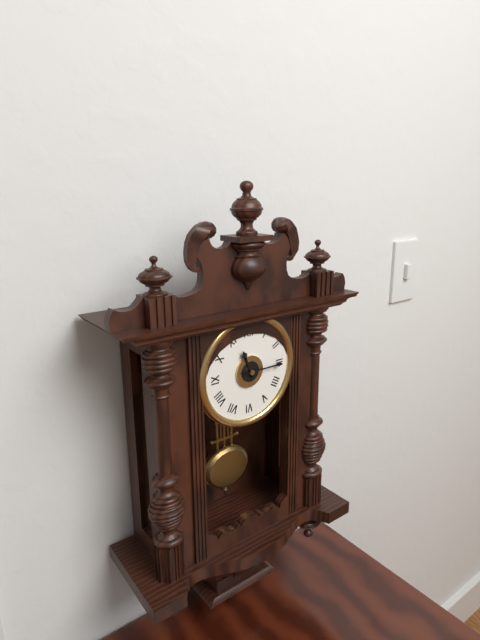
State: 11:15
